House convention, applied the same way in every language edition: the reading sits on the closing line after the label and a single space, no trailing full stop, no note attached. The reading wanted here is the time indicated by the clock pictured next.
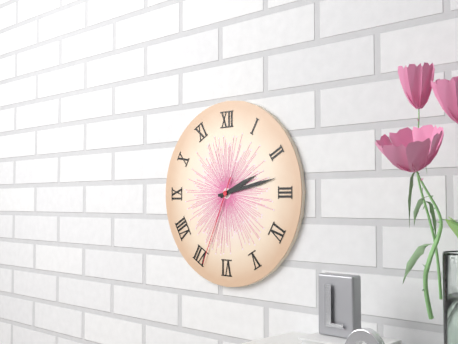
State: 2:13:34
